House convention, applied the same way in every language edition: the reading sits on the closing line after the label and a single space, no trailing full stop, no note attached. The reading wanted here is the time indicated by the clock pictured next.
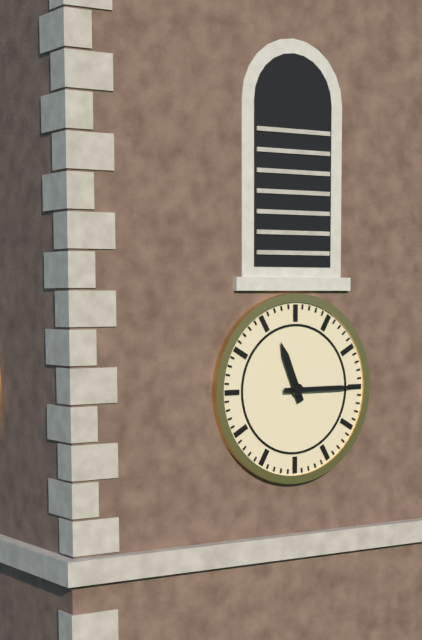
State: 11:15
